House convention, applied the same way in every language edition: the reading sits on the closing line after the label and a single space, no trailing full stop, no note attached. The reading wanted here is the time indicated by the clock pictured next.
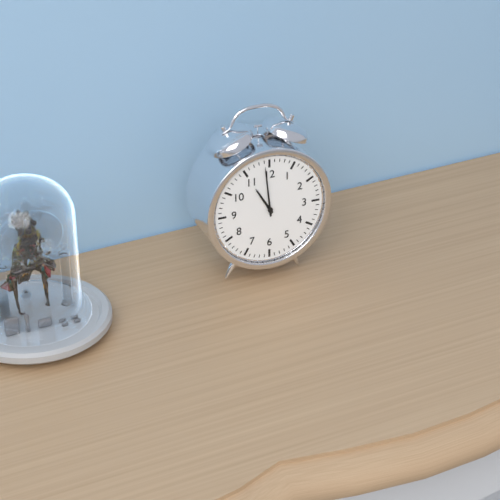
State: 10:59
